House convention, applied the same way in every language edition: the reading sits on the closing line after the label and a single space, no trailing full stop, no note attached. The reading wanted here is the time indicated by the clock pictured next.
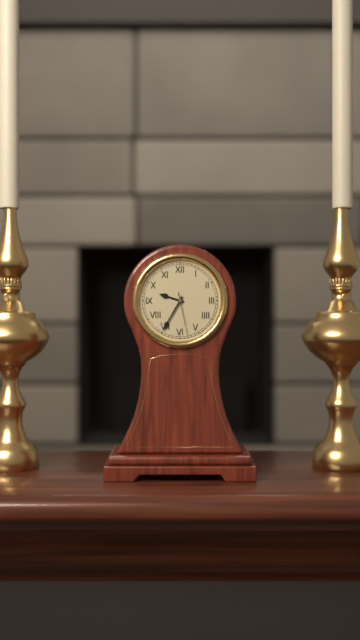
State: 9:35
